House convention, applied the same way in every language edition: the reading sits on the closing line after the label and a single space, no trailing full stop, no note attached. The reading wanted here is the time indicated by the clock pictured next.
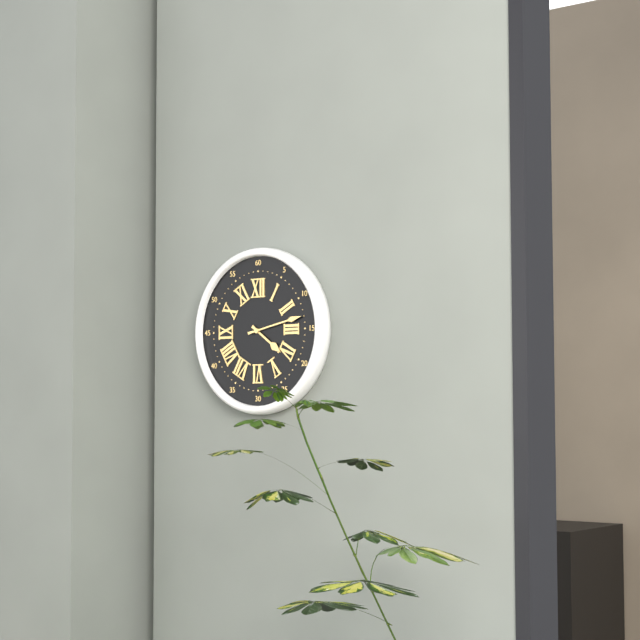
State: 4:13
